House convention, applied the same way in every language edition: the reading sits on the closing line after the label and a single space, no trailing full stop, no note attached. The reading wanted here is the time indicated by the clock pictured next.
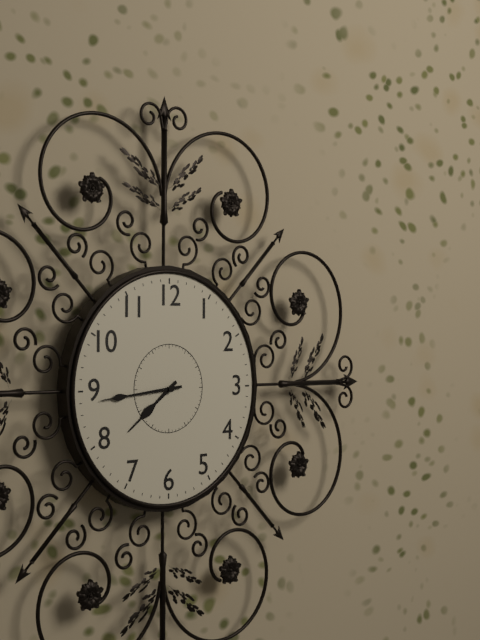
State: 7:44
